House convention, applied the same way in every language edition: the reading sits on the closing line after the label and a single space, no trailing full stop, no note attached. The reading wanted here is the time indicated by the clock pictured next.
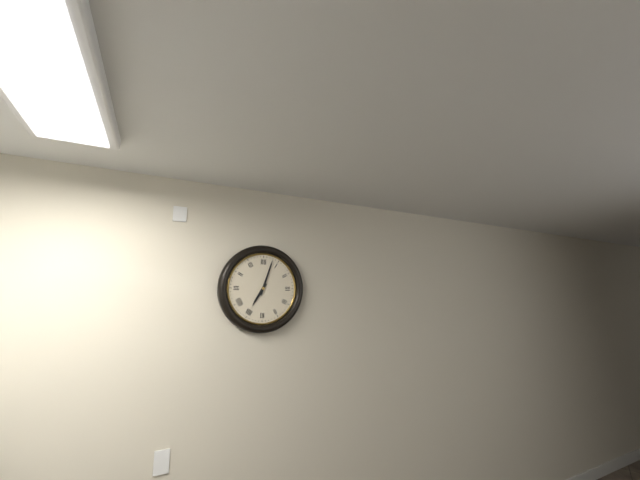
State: 7:03
